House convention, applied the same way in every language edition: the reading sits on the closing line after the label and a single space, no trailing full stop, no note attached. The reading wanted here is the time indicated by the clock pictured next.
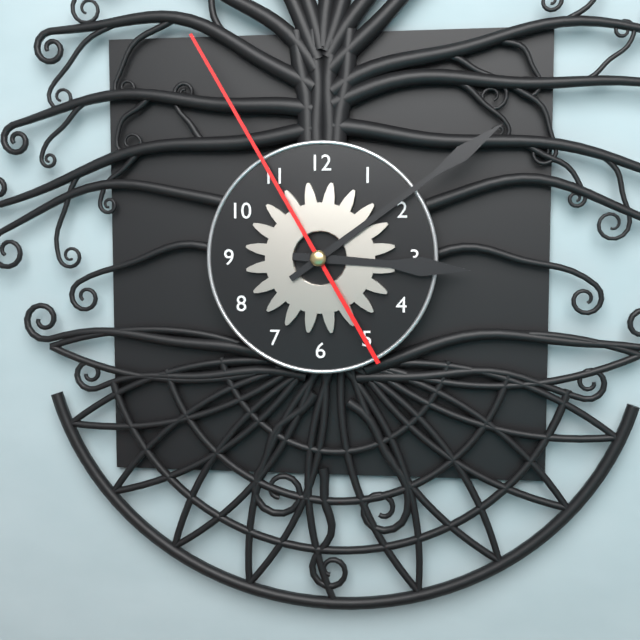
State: 3:09:55
